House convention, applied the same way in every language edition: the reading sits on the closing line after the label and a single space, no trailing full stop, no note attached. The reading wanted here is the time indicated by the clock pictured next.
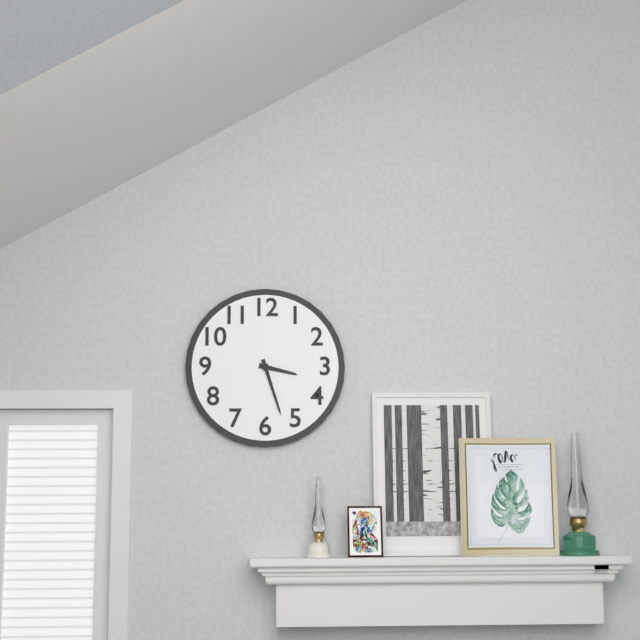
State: 3:27
